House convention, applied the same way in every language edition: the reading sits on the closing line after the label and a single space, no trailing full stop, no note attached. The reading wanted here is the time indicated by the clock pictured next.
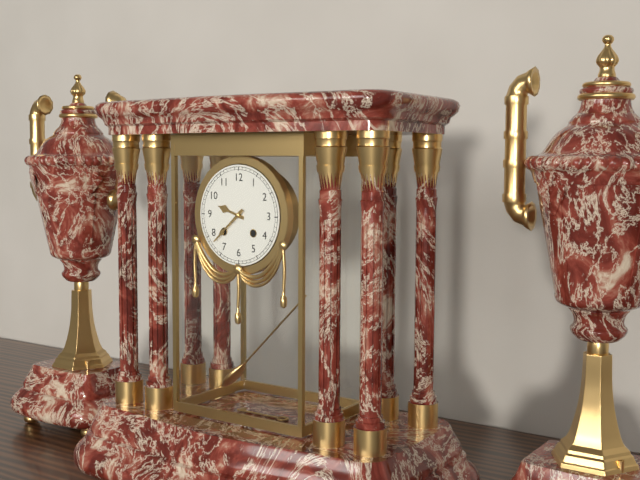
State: 9:38
